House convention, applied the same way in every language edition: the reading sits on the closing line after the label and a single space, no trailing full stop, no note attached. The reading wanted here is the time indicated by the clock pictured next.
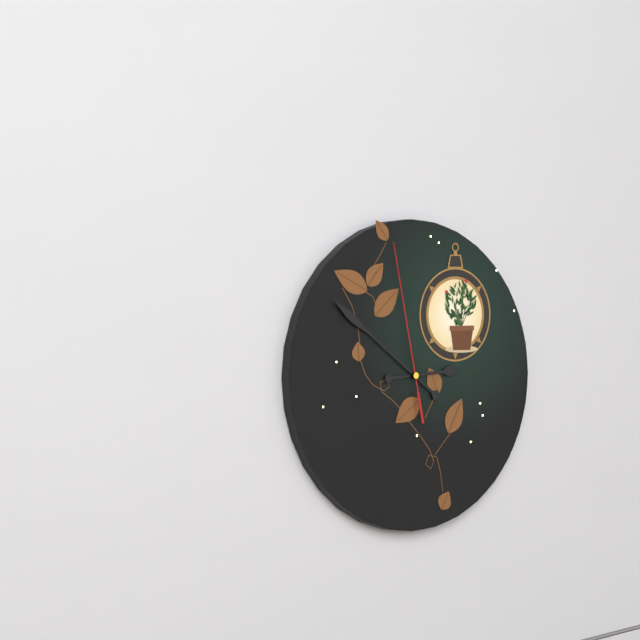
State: 2:51:58
